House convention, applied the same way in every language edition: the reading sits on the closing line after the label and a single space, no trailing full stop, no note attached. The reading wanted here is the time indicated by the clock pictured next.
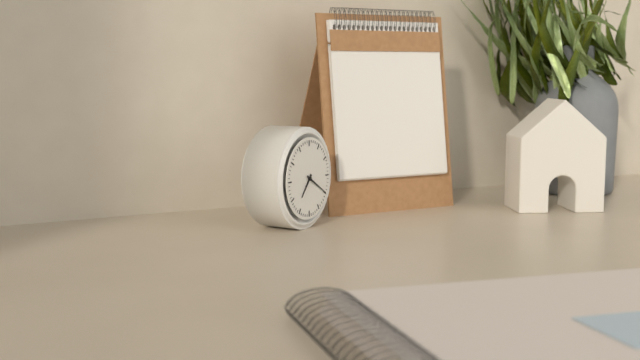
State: 7:20
